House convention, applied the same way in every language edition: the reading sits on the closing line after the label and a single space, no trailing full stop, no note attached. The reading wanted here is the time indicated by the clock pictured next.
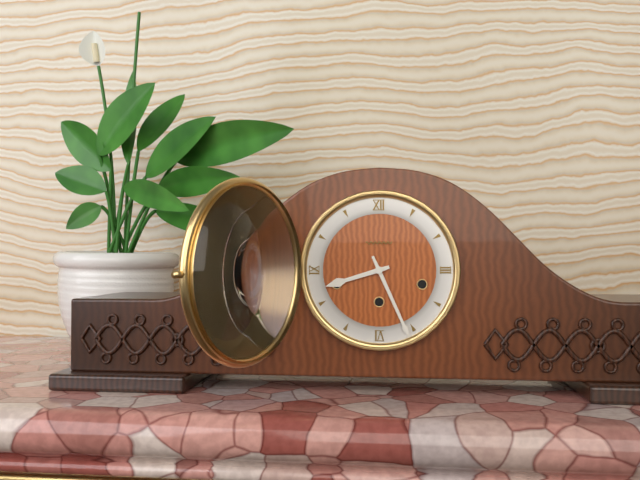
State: 8:26
